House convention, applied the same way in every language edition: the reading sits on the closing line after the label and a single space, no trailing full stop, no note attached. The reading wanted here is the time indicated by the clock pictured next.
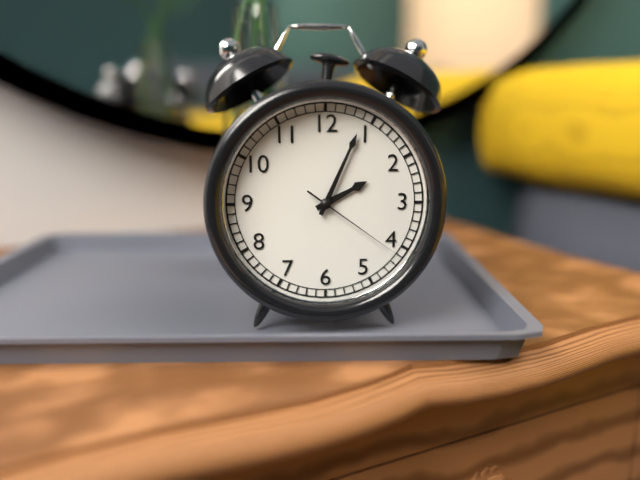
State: 2:04:21
